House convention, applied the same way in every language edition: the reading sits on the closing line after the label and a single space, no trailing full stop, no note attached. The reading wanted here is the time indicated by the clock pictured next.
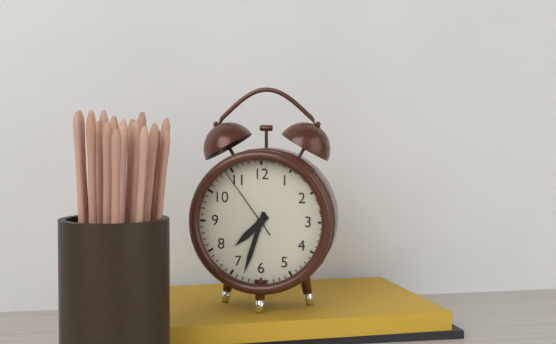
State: 7:33:54
